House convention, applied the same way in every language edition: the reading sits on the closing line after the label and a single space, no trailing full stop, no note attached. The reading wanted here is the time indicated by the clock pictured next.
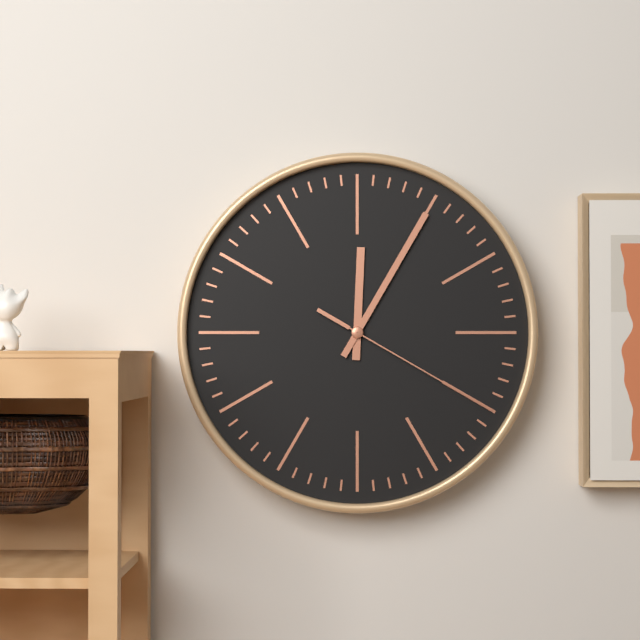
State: 12:05:20
